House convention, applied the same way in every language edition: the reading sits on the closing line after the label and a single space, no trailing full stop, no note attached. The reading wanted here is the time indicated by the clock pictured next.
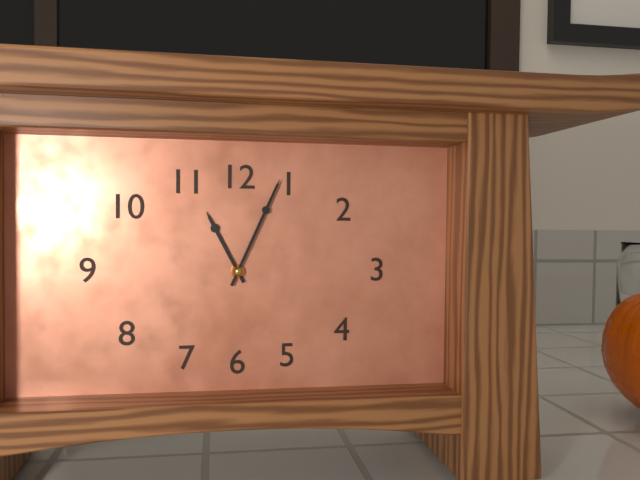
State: 11:04
